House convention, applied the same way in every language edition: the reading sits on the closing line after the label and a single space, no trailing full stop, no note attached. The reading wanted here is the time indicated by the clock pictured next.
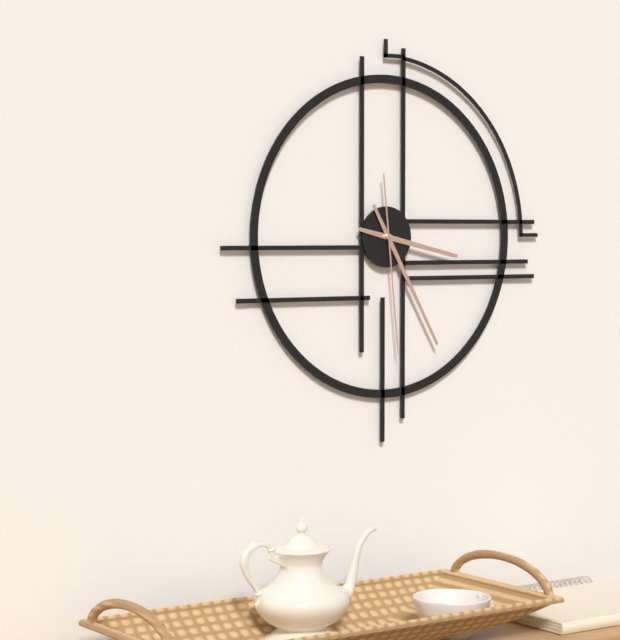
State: 3:25:29
